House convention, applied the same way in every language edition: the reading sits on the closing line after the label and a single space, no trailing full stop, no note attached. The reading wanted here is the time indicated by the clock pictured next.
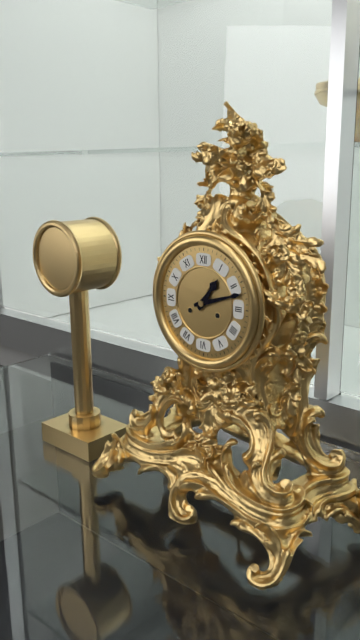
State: 1:12
